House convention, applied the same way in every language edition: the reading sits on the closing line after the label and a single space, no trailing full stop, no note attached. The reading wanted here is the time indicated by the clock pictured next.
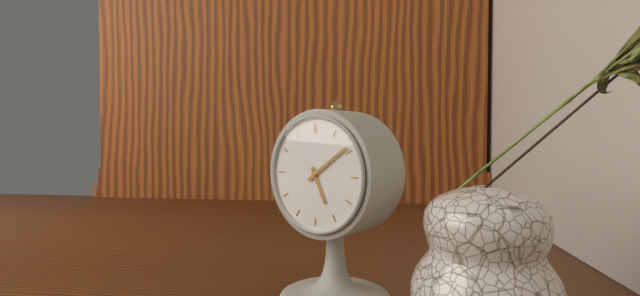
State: 5:09
